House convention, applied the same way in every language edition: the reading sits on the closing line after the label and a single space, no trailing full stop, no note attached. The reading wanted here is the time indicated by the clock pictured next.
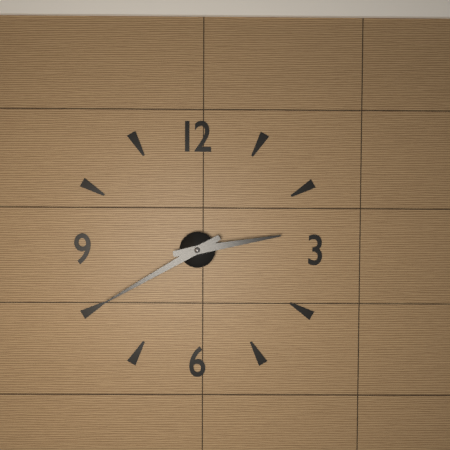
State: 2:40
